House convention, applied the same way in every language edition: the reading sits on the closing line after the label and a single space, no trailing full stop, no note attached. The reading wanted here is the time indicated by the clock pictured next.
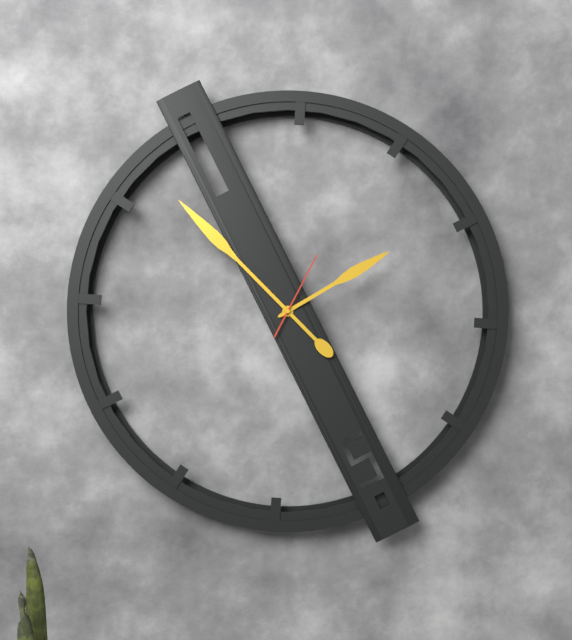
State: 1:52:04
